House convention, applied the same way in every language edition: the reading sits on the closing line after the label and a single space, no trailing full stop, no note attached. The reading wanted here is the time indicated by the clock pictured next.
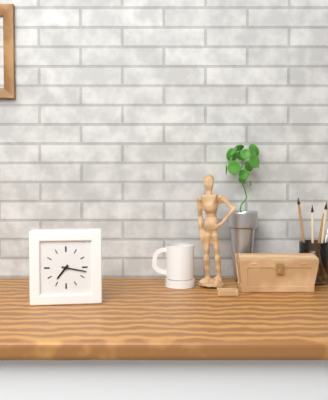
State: 7:17
